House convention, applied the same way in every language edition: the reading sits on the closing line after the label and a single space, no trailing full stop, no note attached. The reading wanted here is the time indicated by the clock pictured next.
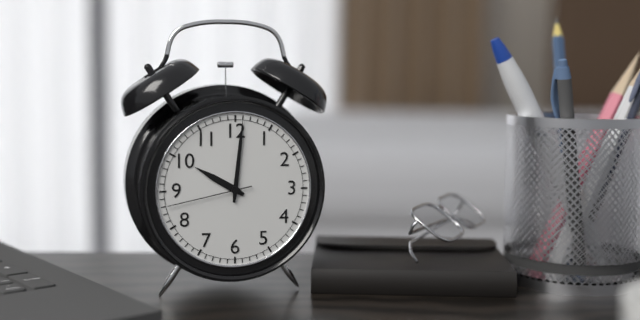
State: 10:01:43
